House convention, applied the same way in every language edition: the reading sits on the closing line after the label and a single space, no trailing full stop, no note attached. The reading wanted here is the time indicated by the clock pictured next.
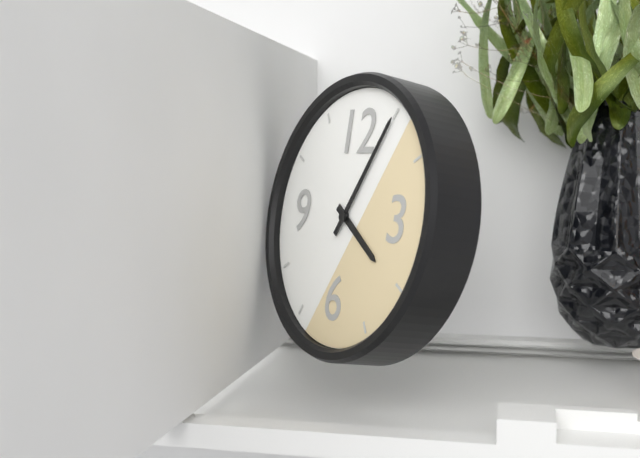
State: 4:05
